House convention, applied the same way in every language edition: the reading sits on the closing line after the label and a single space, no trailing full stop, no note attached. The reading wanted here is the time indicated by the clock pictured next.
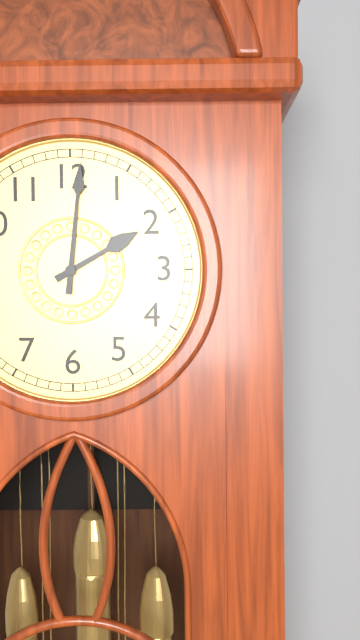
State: 2:01
